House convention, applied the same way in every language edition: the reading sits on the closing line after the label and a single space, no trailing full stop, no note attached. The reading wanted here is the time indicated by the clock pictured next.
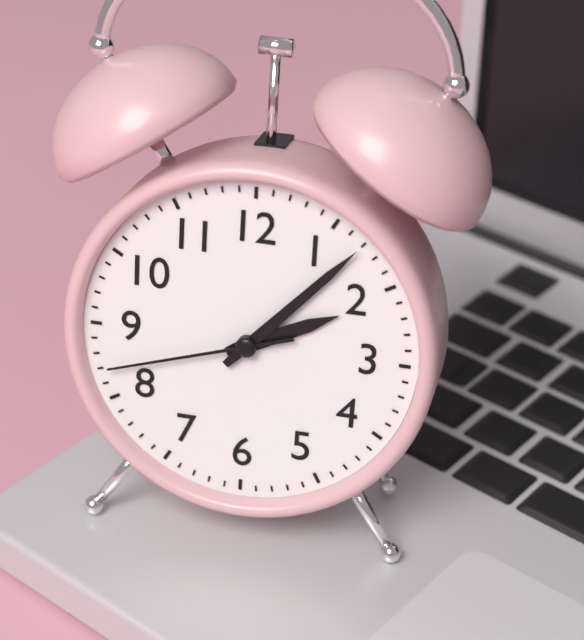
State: 2:07:42
